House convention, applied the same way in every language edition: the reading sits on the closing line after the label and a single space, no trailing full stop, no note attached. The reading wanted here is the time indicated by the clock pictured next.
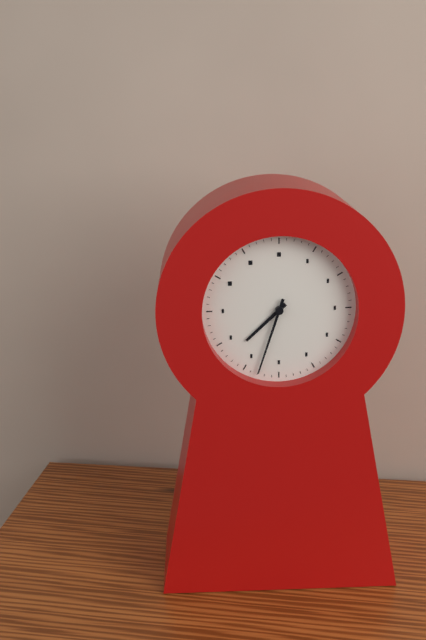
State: 7:33
